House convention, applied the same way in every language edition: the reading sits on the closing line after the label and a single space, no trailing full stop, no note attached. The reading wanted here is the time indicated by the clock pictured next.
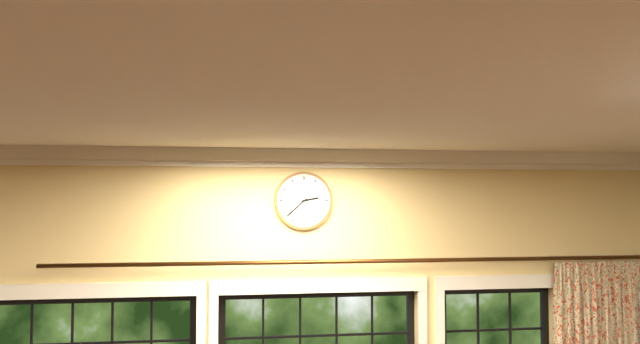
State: 2:38
